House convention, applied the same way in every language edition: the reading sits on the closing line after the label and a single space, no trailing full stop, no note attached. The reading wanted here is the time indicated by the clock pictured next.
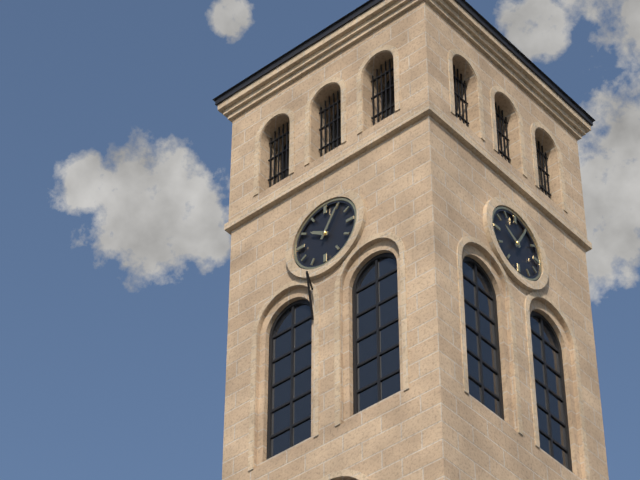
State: 10:05
